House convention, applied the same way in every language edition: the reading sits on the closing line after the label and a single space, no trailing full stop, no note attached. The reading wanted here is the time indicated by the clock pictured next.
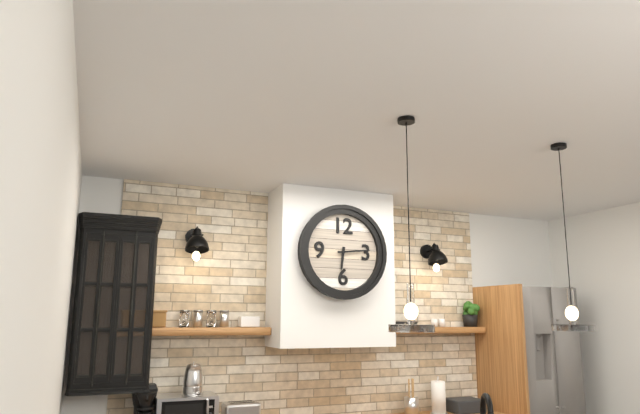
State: 6:14
